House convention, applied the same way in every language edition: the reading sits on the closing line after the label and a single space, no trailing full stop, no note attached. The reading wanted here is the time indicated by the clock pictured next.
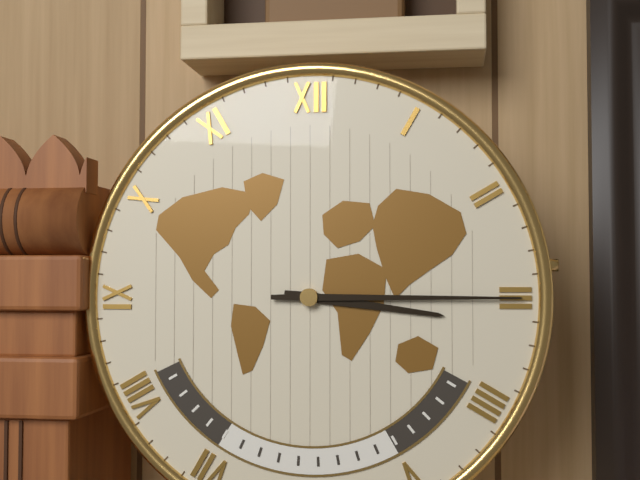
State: 3:15
